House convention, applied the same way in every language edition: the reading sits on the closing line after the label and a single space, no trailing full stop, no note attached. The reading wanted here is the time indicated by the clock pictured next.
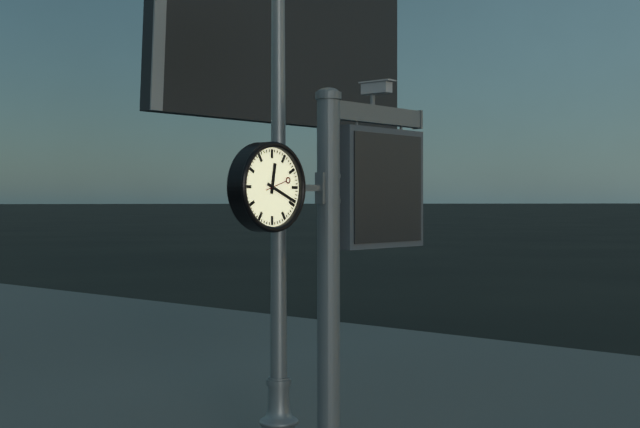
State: 12:19
